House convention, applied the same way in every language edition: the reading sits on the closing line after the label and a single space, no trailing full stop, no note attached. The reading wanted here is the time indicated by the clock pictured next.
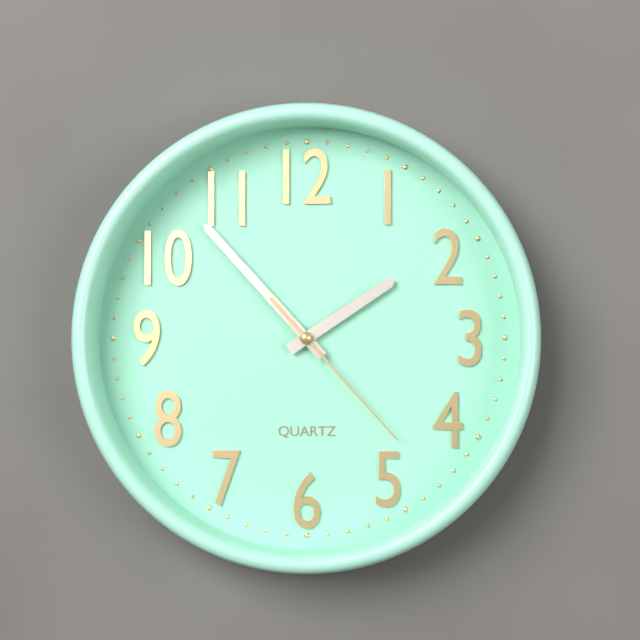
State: 1:53:23
